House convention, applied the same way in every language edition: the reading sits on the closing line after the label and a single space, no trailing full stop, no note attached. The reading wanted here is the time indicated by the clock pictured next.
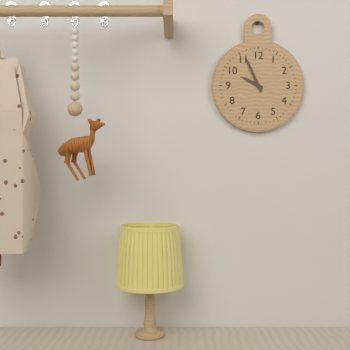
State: 9:56
